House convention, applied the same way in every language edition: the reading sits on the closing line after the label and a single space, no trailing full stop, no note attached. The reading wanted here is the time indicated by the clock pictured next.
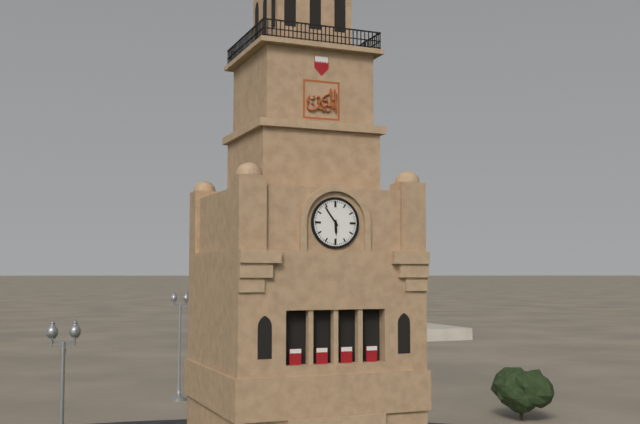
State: 5:54
